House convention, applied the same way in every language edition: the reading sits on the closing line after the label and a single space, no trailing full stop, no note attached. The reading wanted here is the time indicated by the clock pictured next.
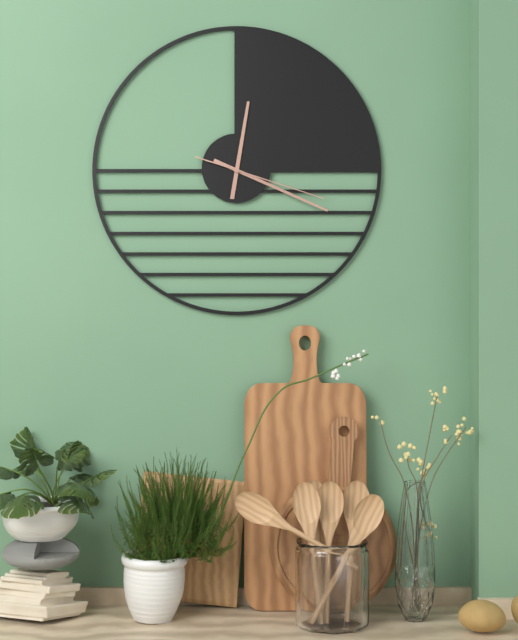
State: 12:19:18
